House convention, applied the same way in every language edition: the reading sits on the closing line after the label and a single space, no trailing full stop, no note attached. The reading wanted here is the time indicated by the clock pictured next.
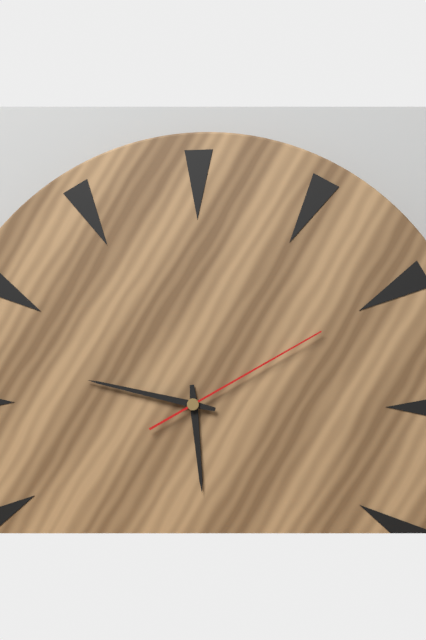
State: 5:47:10
